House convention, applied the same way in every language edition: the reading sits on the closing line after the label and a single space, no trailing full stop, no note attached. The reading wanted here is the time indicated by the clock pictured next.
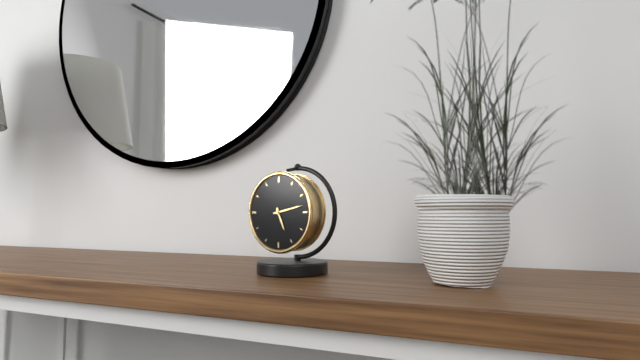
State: 5:13
